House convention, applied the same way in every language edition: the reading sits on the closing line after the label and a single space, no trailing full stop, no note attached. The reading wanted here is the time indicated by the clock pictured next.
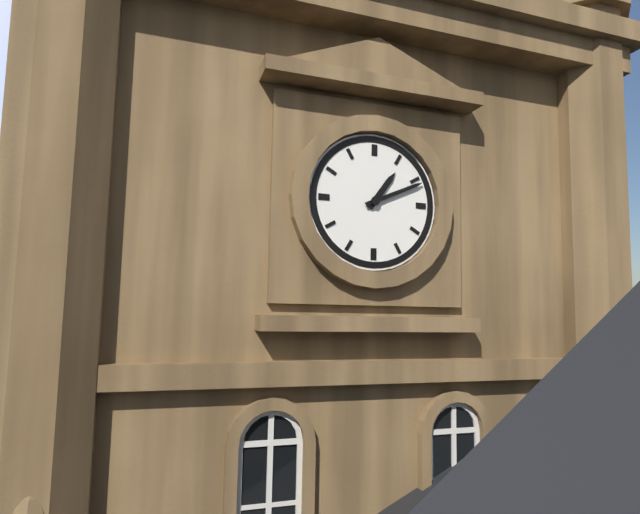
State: 1:11
